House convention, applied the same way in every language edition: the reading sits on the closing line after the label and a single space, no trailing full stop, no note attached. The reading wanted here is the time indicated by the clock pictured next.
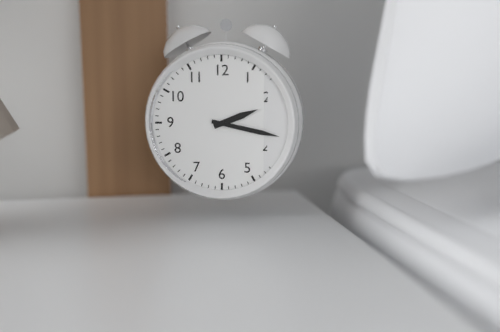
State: 2:17
